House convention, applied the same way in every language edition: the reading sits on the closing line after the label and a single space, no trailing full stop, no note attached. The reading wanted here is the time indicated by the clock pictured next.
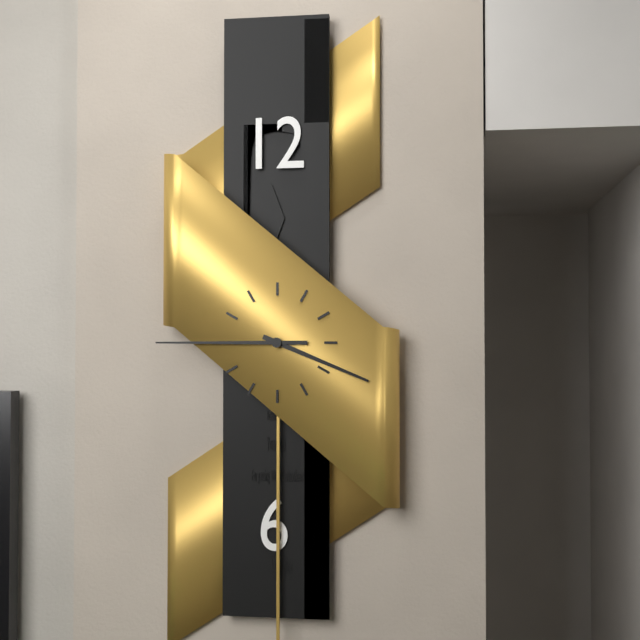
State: 3:45
